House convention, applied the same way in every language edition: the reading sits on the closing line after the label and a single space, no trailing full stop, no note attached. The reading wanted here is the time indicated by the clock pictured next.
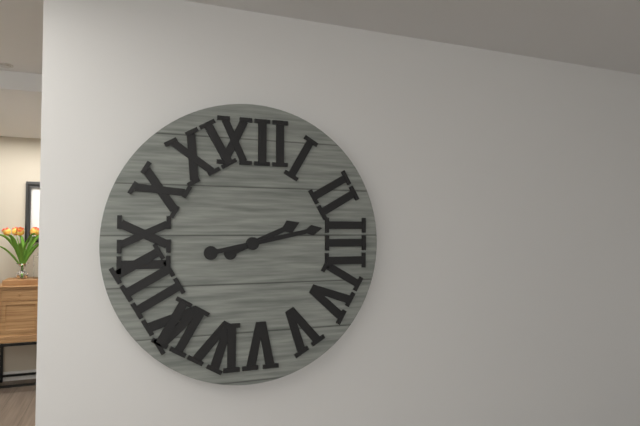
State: 2:13
